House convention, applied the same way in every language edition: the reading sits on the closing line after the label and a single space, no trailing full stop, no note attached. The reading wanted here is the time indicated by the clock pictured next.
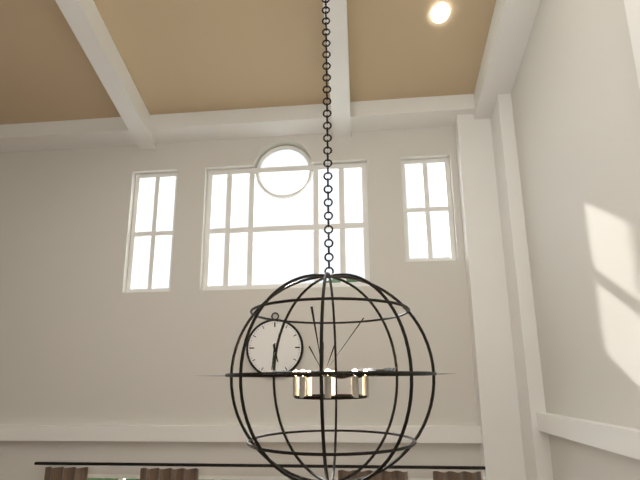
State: 5:31
